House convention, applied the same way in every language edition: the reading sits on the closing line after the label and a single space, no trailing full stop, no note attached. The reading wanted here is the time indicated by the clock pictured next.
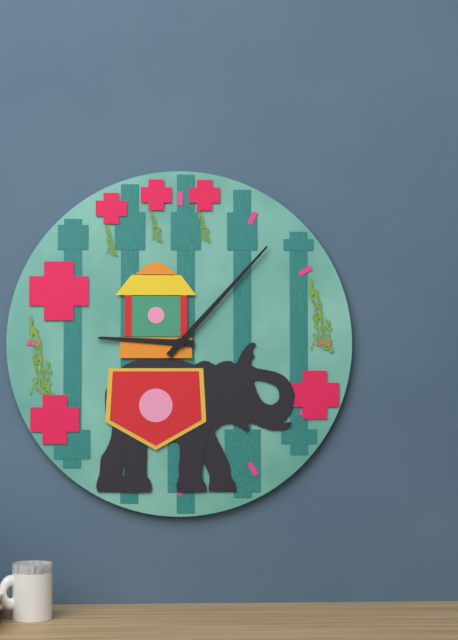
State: 9:07
